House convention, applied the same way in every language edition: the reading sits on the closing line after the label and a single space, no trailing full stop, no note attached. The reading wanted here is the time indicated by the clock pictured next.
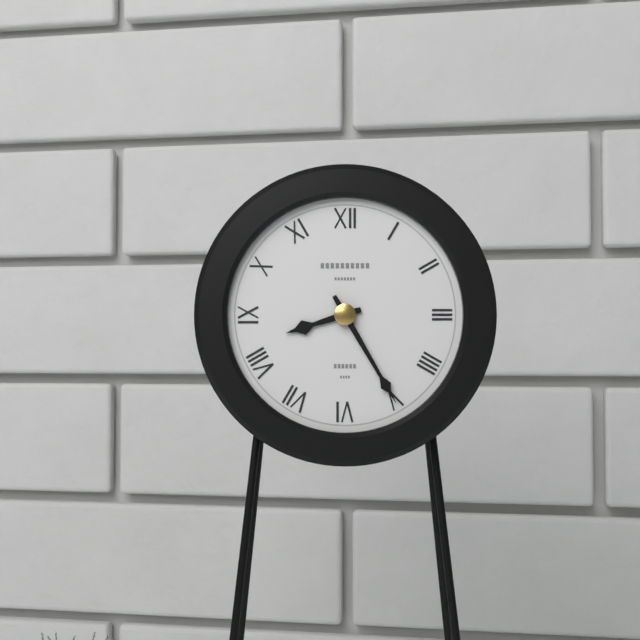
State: 8:25
